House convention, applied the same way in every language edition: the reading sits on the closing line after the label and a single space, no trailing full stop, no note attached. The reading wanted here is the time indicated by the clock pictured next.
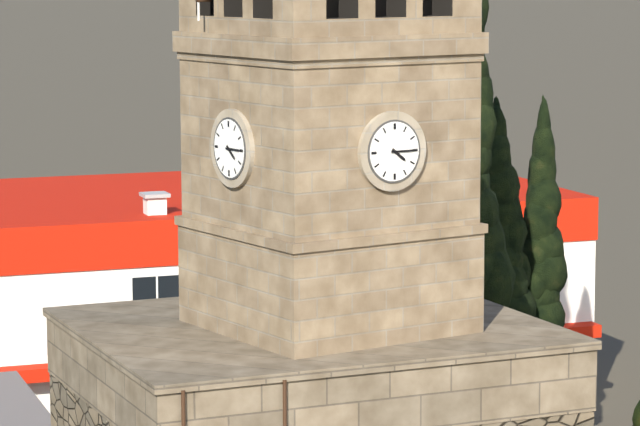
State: 4:15
